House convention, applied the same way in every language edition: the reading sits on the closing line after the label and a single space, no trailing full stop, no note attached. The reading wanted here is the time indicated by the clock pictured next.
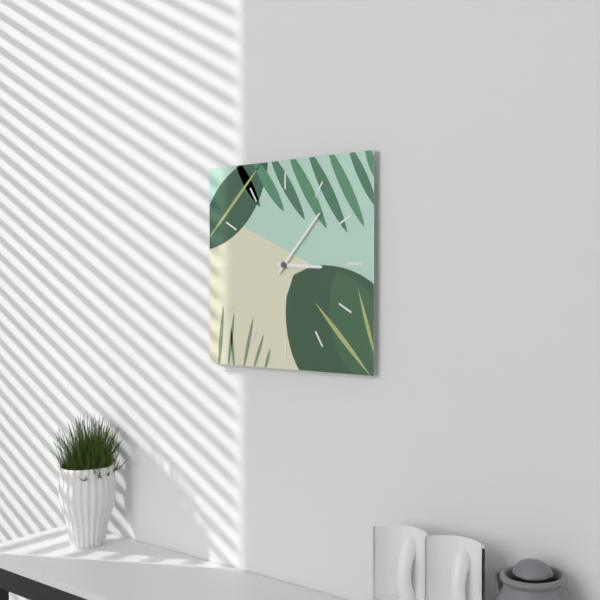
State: 3:07
